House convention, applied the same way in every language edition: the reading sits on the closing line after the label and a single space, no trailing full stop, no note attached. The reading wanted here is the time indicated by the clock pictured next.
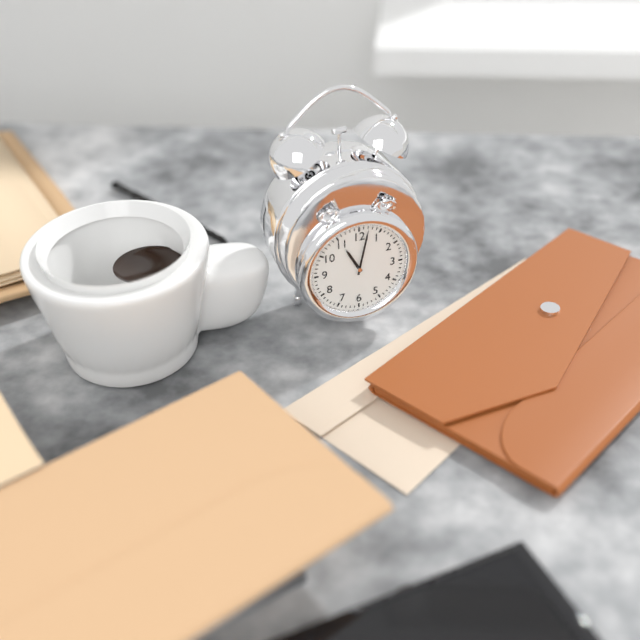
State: 11:02
